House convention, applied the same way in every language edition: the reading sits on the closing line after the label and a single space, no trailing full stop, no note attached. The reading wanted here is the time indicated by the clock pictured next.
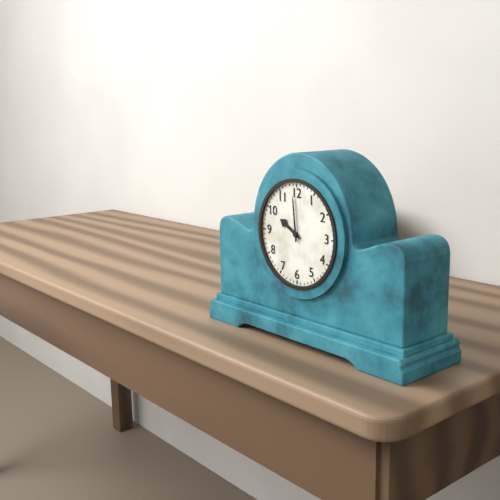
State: 9:59
